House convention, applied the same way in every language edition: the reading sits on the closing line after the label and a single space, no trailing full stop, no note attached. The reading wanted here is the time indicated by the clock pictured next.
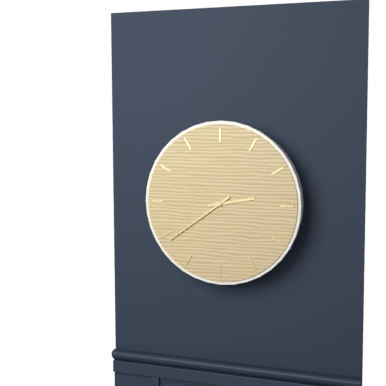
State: 2:39
